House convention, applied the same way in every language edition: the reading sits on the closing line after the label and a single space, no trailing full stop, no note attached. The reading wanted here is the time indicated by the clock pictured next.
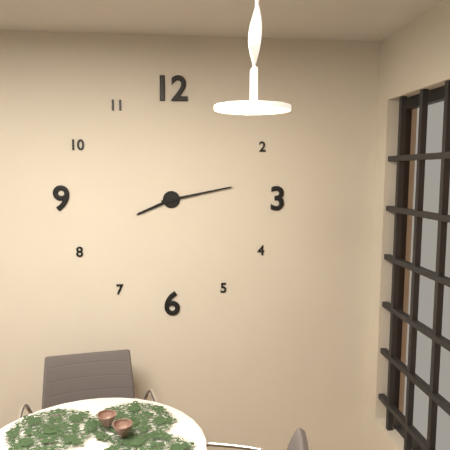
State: 8:13
